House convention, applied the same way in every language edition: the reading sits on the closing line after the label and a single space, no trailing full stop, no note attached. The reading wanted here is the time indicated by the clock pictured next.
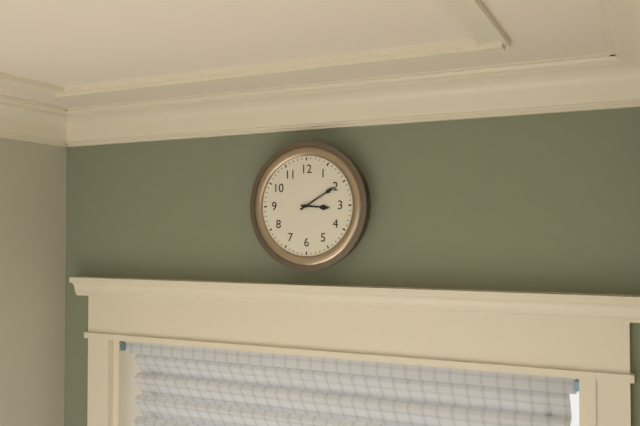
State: 3:10
